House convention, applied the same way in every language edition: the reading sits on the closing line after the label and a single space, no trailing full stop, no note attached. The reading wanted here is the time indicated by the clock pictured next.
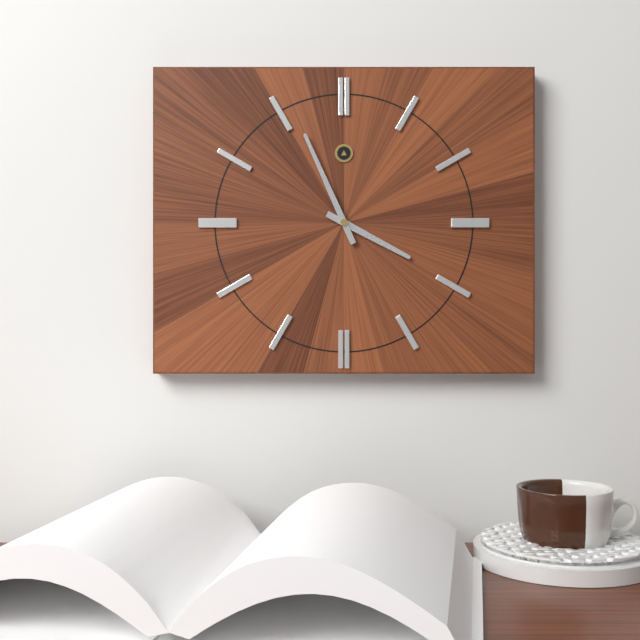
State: 3:56
